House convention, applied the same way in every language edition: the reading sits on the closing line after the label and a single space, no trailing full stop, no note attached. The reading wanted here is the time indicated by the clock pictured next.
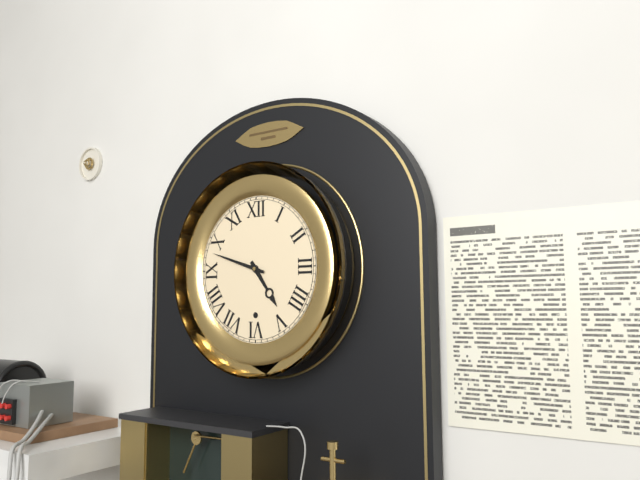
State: 4:48
